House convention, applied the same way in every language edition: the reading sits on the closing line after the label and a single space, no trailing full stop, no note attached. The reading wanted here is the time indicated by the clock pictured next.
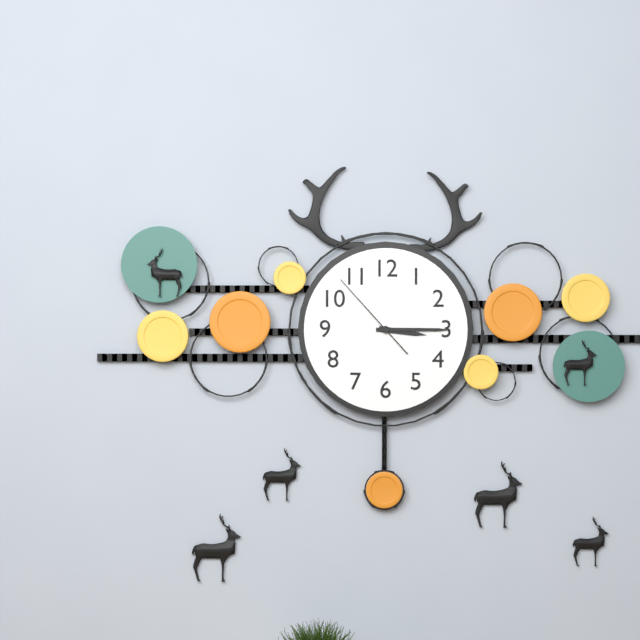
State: 3:15:53
